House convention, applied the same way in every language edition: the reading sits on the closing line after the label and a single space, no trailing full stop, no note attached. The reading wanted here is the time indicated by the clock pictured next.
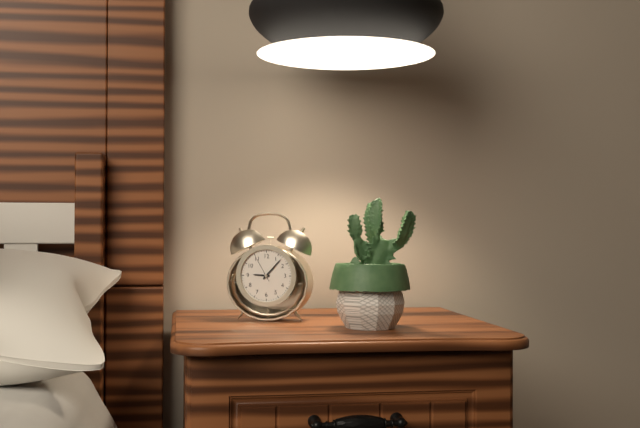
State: 9:07
